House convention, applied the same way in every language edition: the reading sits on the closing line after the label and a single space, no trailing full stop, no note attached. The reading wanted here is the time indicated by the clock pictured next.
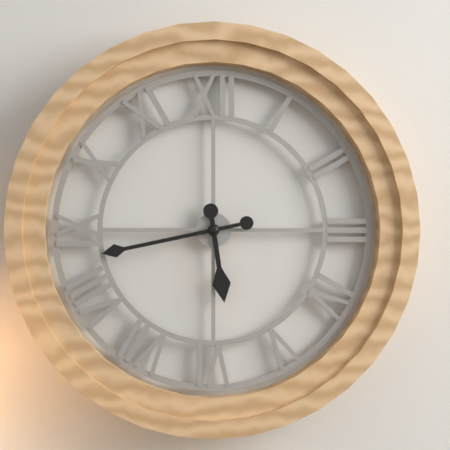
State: 5:43
